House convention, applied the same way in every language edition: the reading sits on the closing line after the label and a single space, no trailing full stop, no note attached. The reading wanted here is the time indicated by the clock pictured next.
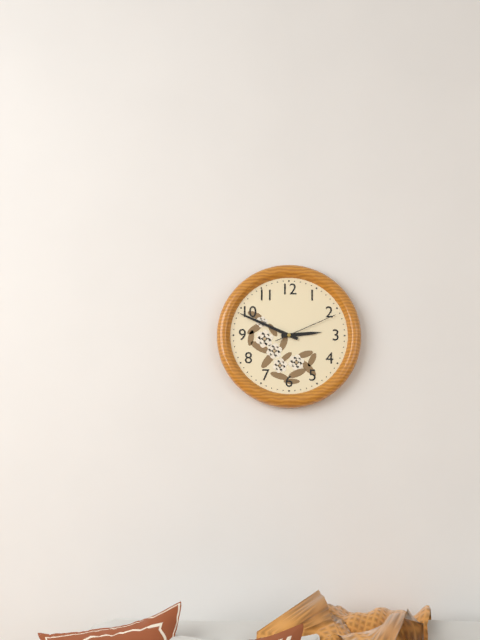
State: 2:49:11
